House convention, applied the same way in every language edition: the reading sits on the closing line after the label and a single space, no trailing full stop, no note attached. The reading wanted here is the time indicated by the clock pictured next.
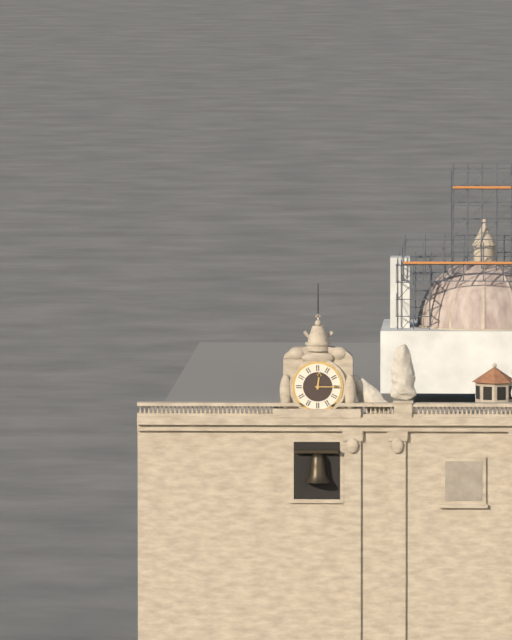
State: 12:15
